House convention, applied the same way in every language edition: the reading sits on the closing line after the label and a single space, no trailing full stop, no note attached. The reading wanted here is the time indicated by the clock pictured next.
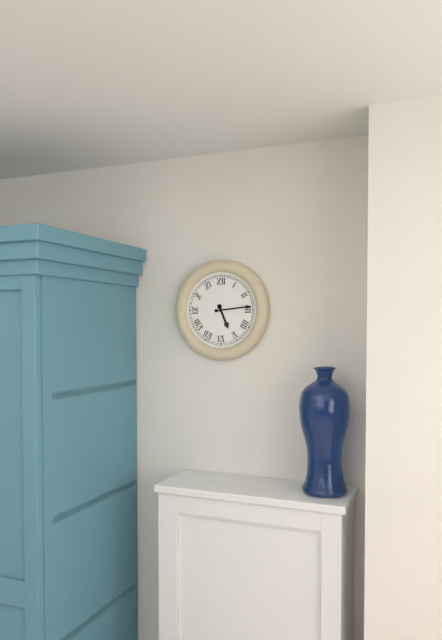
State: 5:14
